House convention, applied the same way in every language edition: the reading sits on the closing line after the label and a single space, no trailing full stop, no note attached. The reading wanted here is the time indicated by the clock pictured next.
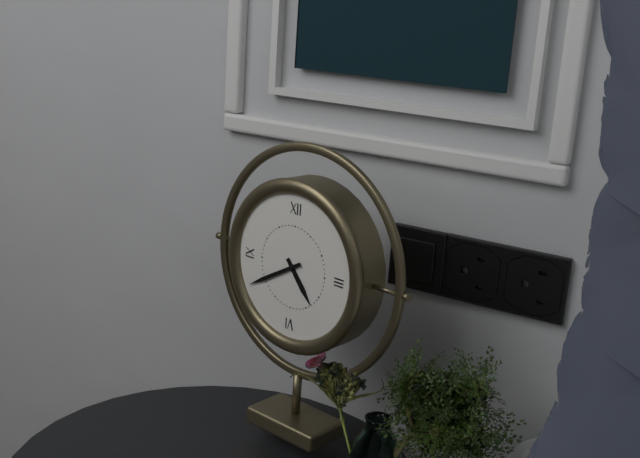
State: 4:40
